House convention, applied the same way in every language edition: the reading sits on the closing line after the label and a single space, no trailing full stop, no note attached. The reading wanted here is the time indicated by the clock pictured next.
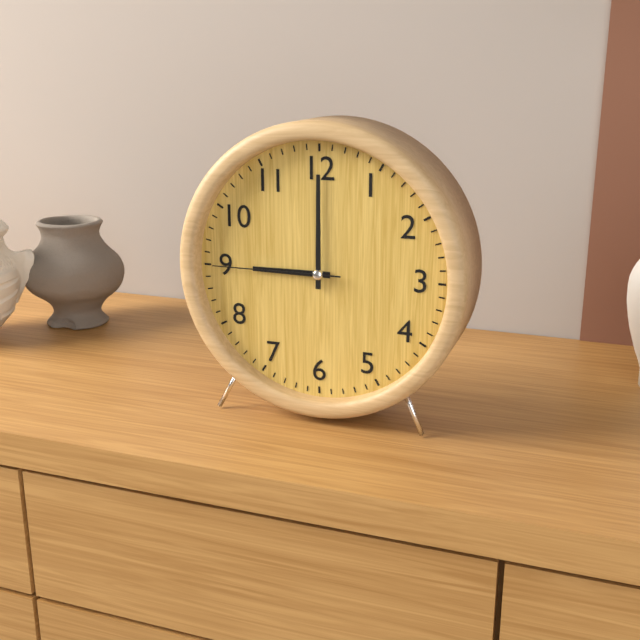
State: 9:00:45
